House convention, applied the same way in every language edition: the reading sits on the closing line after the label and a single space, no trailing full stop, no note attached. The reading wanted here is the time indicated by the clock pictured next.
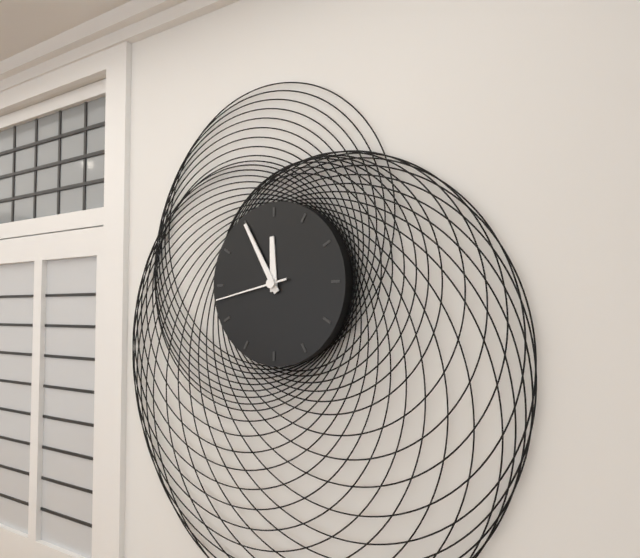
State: 11:55:43
